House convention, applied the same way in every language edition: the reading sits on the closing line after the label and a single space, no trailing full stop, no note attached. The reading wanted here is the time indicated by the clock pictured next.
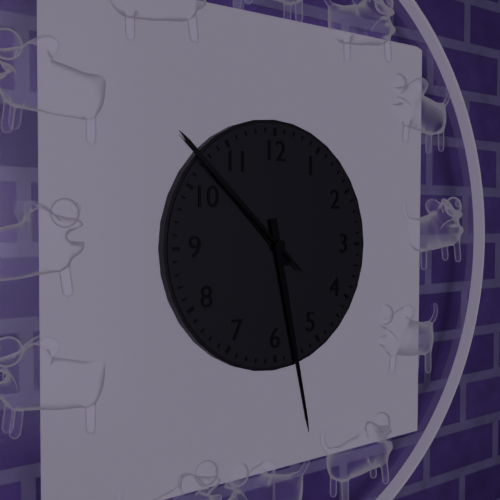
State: 10:28:52
